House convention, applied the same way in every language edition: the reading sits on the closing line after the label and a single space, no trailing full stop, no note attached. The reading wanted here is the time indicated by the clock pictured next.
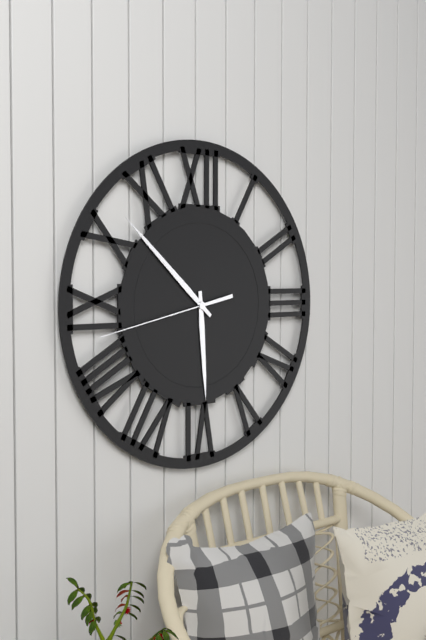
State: 5:52:43
